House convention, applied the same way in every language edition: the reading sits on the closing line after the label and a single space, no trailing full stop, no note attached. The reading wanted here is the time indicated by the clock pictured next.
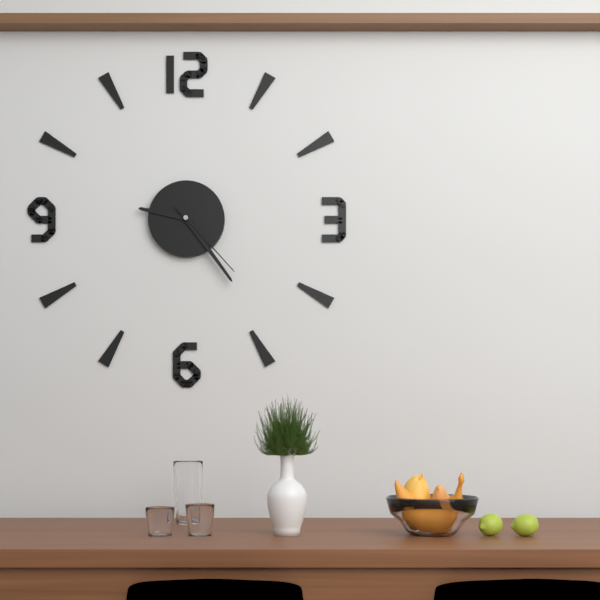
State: 9:24:23
